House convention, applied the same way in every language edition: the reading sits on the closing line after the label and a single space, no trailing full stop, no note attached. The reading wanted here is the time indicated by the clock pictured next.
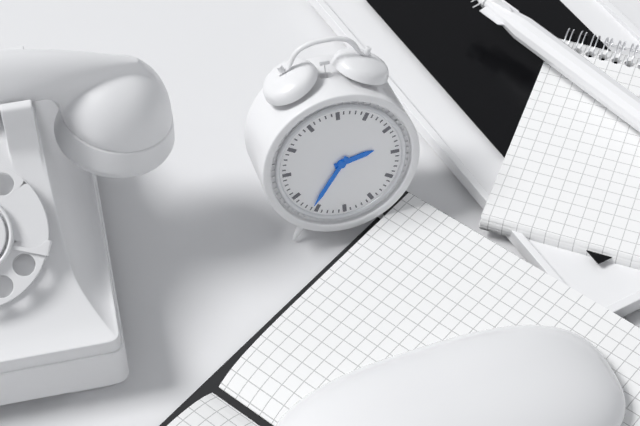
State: 2:36
